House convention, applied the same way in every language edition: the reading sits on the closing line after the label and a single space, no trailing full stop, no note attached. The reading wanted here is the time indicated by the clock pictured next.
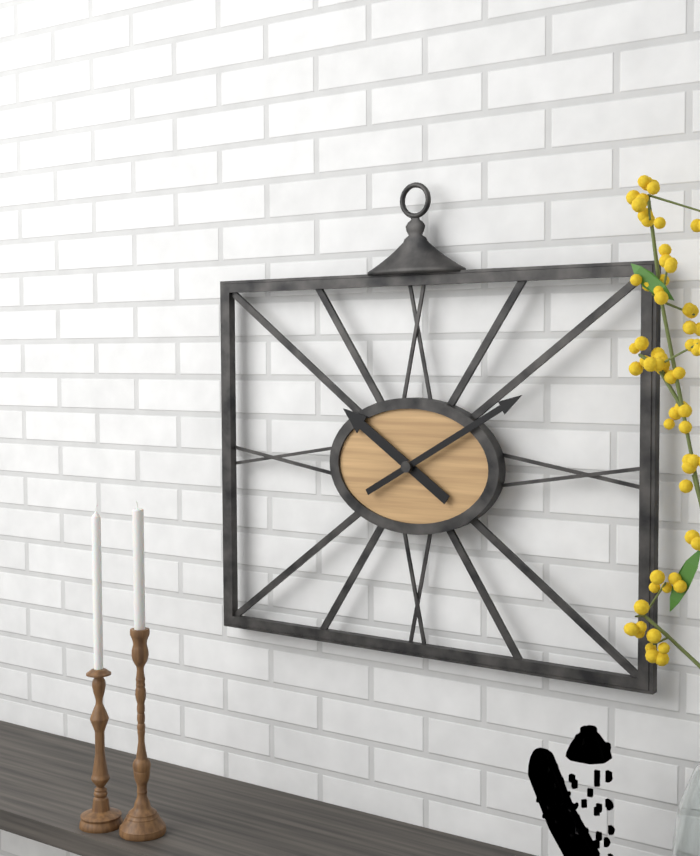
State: 10:10
